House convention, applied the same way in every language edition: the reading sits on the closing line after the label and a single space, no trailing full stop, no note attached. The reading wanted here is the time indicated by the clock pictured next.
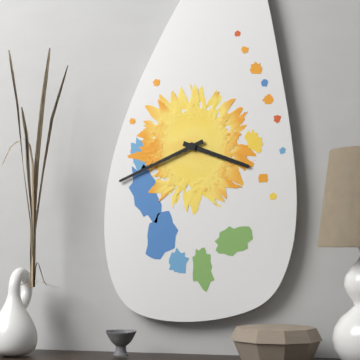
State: 3:41
